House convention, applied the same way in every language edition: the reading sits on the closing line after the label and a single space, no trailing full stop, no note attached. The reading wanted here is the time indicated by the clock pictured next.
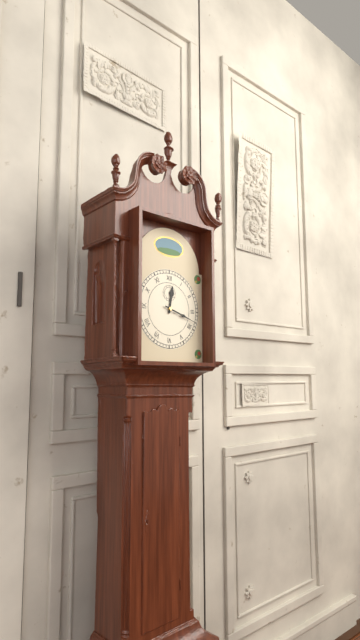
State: 12:18
